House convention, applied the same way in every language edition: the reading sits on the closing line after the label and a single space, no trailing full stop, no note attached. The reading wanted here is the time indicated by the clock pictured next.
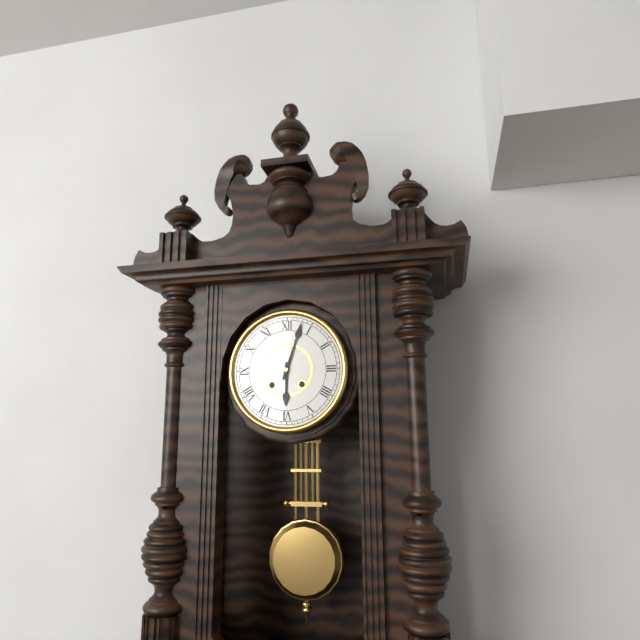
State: 6:03
